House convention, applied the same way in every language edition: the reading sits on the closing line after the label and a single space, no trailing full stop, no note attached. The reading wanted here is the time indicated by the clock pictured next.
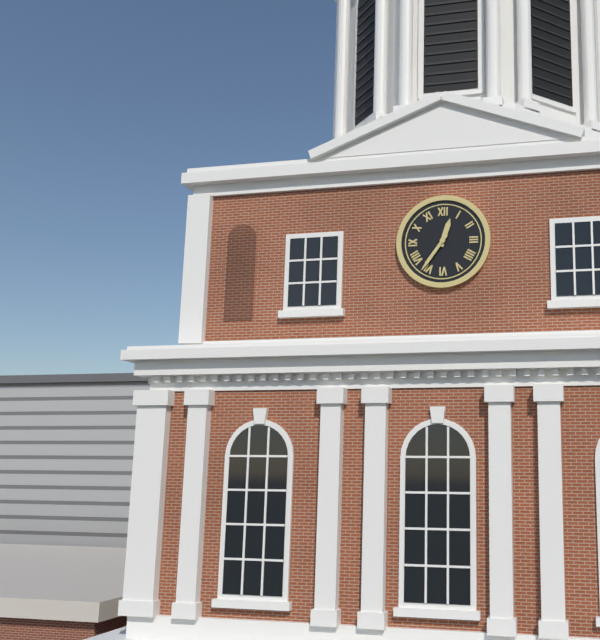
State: 12:36
